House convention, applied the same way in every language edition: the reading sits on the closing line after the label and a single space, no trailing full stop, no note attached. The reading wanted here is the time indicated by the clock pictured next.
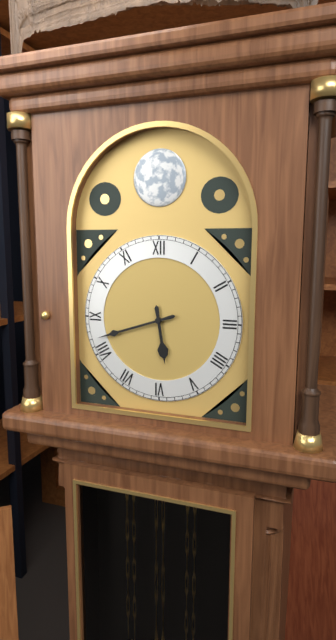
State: 5:42
